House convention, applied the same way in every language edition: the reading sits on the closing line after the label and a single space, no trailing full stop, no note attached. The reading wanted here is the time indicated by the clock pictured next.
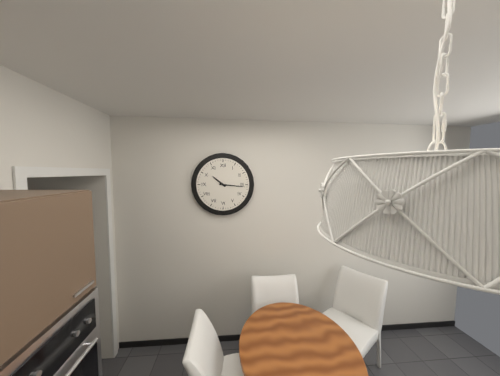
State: 10:16
